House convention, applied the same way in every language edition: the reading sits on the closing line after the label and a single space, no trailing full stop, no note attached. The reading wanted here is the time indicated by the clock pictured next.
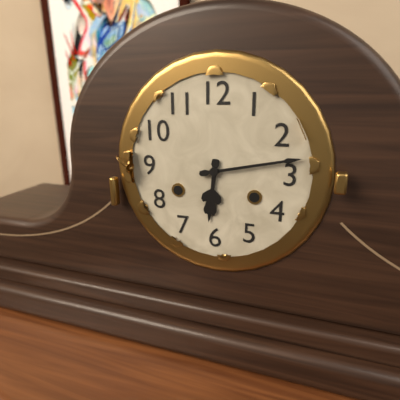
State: 6:13
